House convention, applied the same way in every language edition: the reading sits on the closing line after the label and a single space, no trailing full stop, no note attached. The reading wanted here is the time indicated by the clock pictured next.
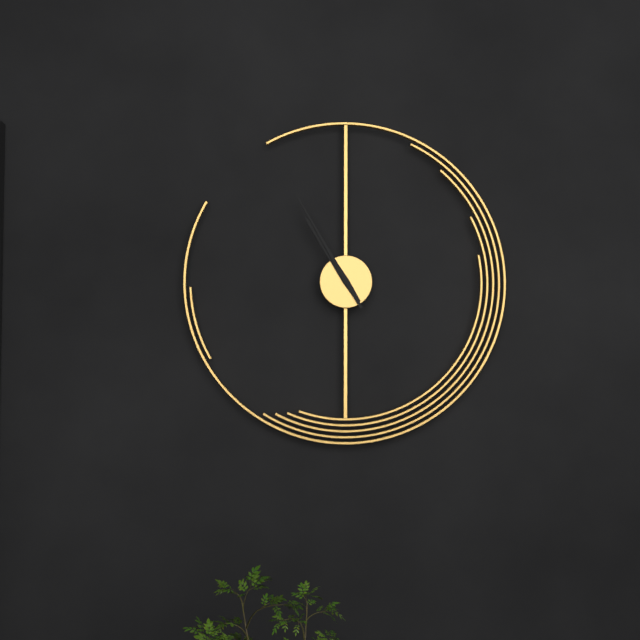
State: 10:55
